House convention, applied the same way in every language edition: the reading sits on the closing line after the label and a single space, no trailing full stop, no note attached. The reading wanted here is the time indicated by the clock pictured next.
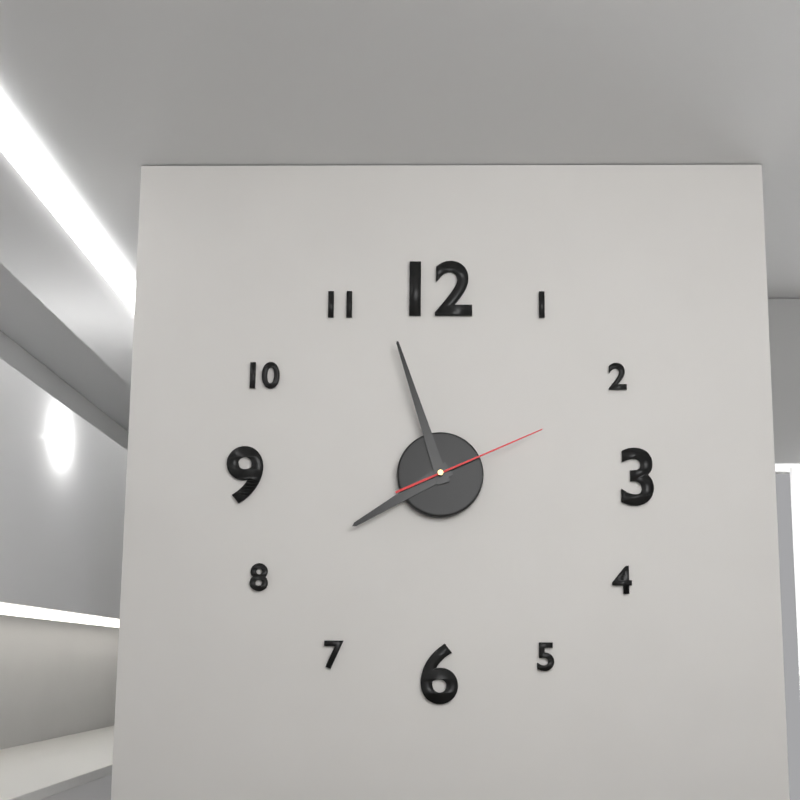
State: 7:57:11
